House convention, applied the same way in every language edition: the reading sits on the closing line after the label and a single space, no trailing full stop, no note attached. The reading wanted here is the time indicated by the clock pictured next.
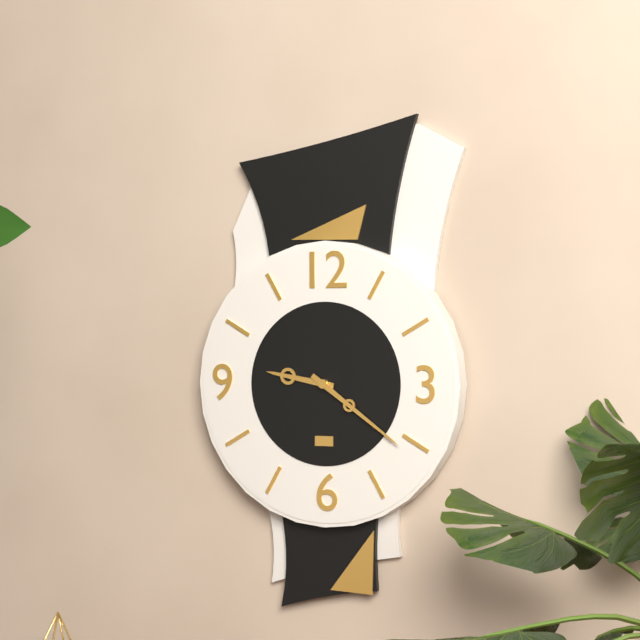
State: 9:21
